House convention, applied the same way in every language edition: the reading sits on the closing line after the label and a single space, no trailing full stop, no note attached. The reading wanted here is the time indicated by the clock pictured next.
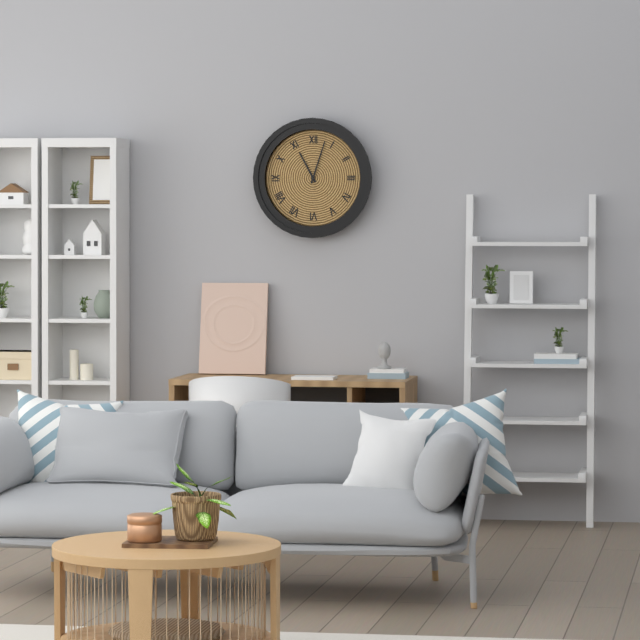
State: 11:03
